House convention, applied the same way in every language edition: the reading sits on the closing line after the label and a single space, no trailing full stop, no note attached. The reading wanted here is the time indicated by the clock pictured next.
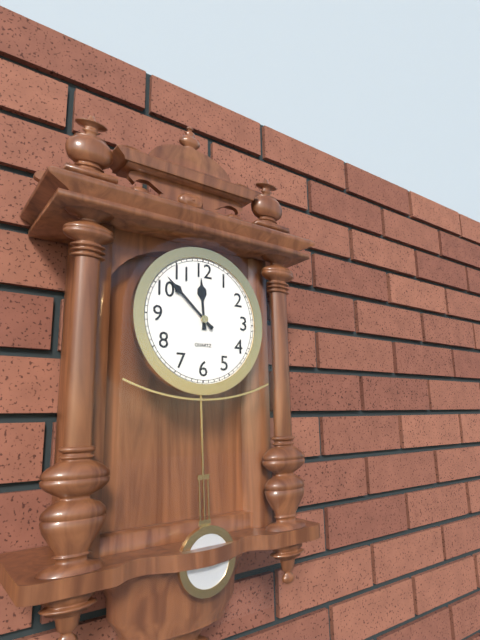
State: 11:52
